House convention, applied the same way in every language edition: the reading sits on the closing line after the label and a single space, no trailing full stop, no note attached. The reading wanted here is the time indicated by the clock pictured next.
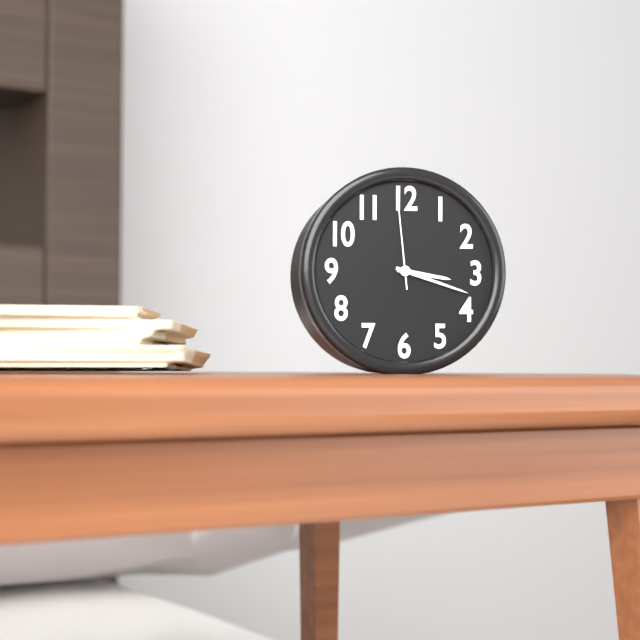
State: 3:18:59
